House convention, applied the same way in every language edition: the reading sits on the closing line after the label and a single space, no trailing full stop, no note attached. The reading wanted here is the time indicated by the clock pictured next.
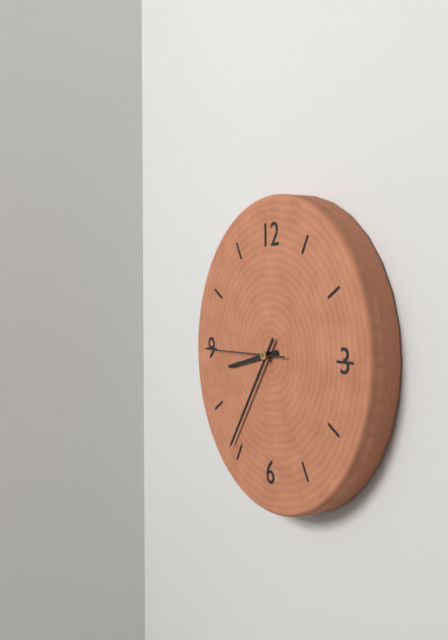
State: 8:36:45
